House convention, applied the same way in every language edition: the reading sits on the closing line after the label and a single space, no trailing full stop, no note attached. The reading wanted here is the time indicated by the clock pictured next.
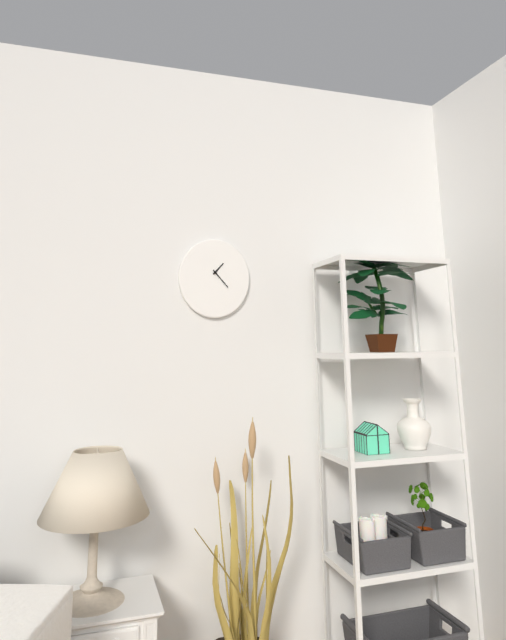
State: 1:23
